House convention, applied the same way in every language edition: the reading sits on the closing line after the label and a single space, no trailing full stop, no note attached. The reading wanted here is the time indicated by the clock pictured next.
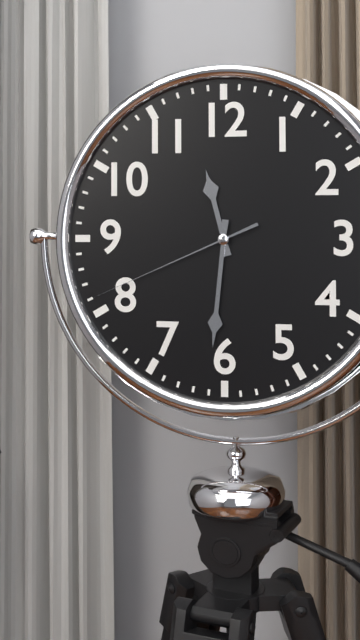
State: 11:31:41
